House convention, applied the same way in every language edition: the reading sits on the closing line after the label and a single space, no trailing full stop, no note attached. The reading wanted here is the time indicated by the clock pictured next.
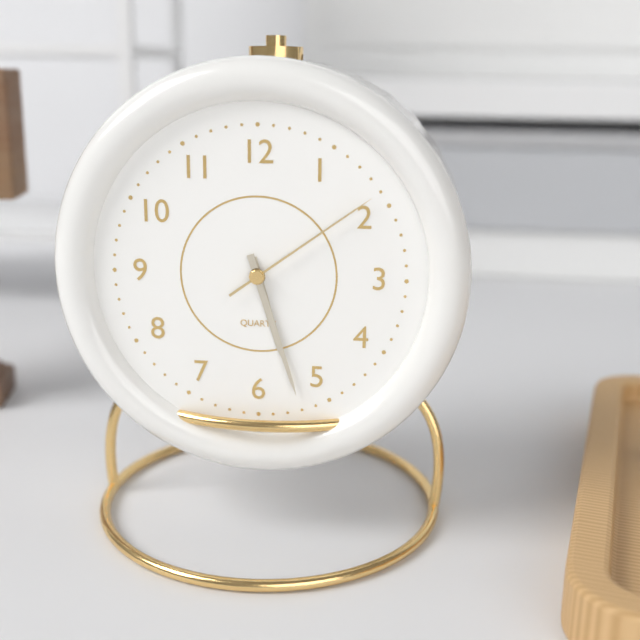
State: 5:27:09
